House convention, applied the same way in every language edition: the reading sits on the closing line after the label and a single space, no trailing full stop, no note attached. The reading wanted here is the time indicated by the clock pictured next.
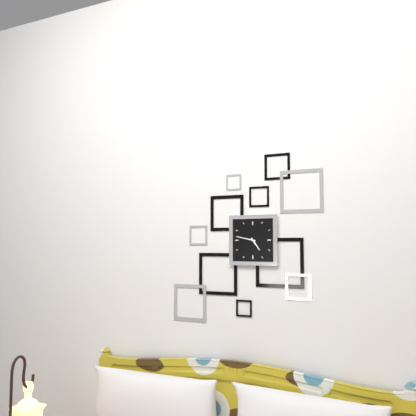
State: 4:47
